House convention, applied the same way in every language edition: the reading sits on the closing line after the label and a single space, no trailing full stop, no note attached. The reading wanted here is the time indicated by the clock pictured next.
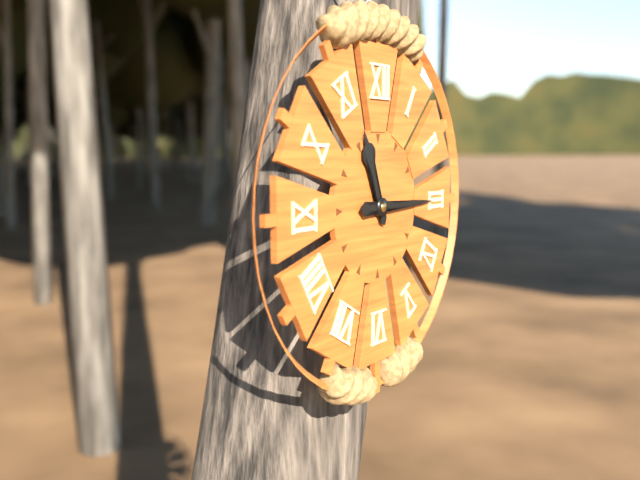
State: 11:15
